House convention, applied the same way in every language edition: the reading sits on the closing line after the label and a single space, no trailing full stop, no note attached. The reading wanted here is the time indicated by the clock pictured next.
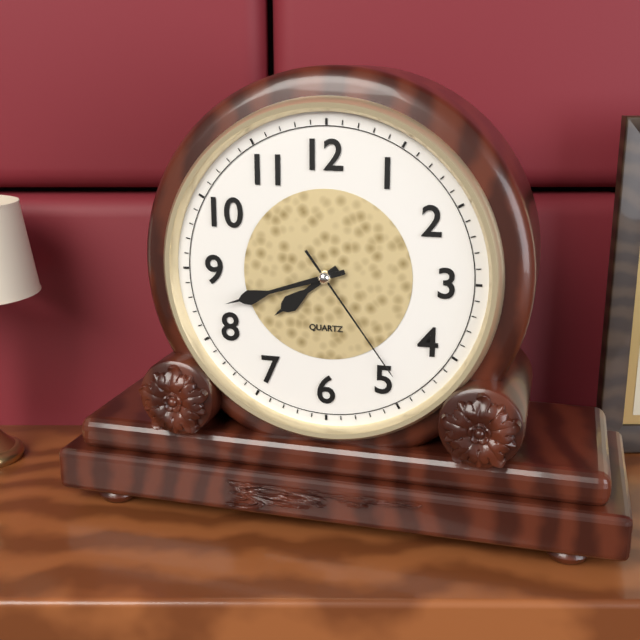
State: 7:42:24
